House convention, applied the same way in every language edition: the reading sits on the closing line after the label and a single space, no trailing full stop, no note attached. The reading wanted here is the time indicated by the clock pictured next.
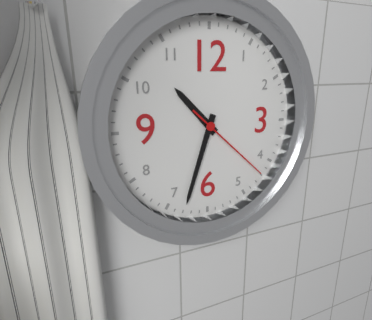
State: 10:33:22
